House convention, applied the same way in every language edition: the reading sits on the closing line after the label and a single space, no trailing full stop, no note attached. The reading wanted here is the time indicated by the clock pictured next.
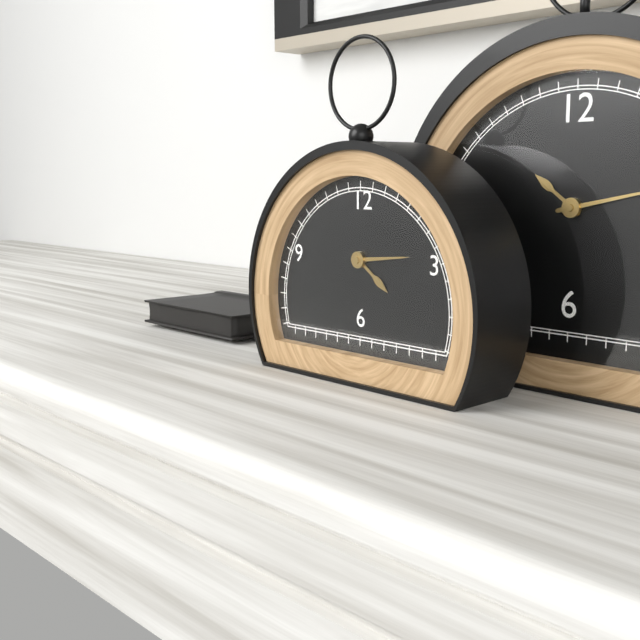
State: 4:14
